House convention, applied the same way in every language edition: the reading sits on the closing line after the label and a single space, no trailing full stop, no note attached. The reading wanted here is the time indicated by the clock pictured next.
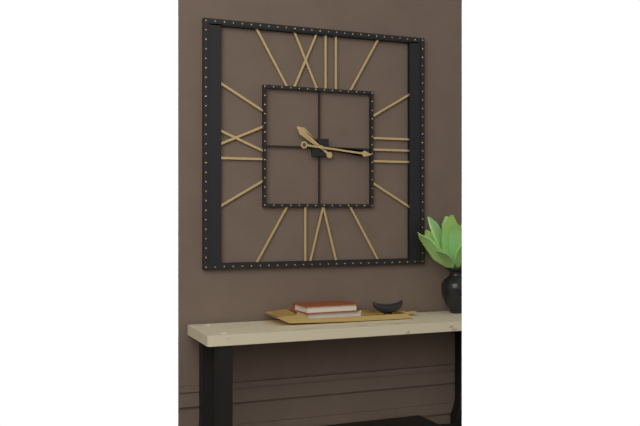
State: 10:16
